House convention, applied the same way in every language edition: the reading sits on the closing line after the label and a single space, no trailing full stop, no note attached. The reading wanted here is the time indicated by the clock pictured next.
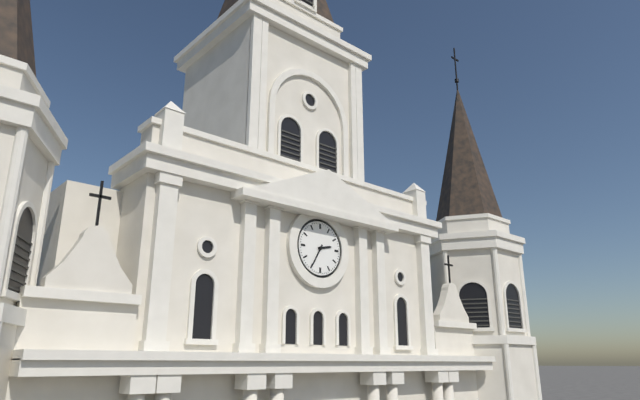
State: 2:35
